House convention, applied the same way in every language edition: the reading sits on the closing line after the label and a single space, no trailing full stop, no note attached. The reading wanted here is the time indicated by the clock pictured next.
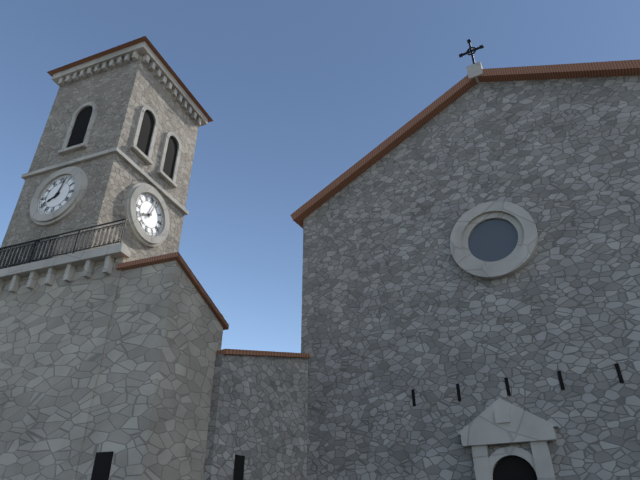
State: 8:03
